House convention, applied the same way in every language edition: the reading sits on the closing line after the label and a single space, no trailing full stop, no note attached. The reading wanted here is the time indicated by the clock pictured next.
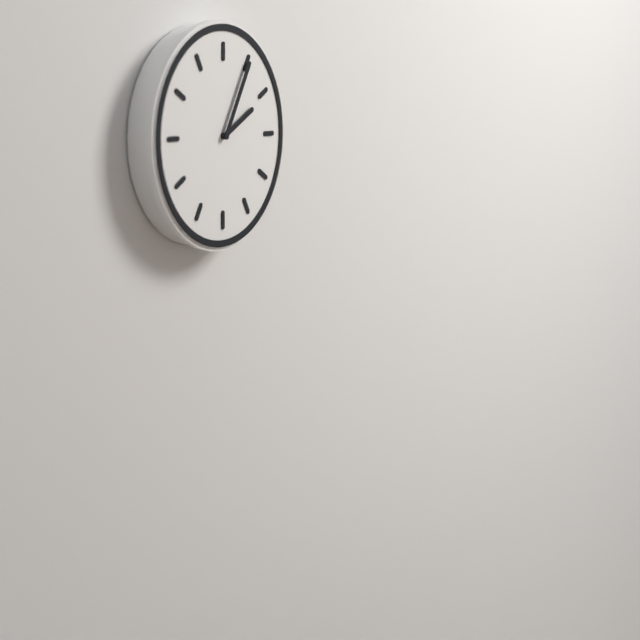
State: 2:05
